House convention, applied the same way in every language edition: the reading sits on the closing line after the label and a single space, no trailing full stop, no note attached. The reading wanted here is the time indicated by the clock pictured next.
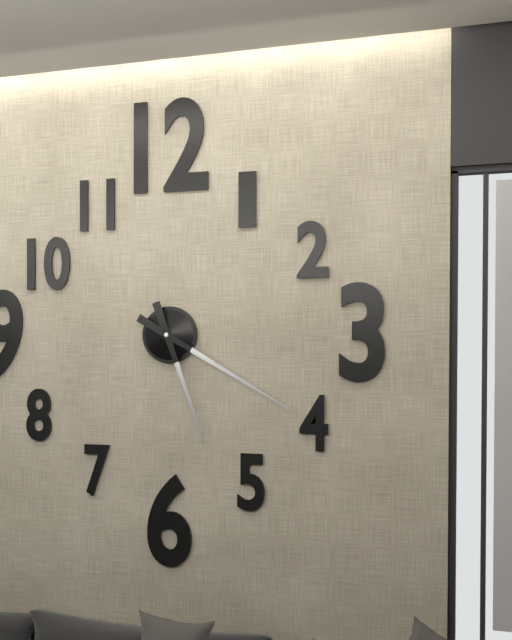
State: 5:20
